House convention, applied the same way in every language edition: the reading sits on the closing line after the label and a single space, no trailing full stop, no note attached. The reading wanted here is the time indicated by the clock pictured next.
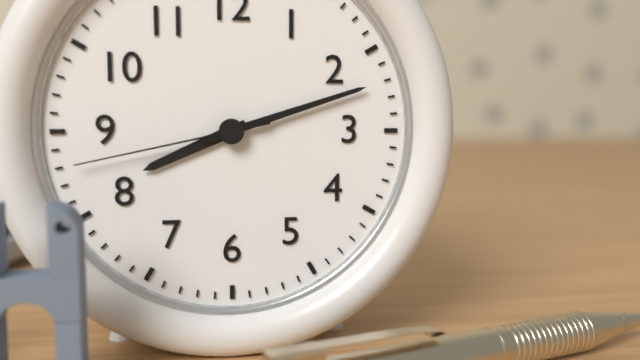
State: 8:12:43
